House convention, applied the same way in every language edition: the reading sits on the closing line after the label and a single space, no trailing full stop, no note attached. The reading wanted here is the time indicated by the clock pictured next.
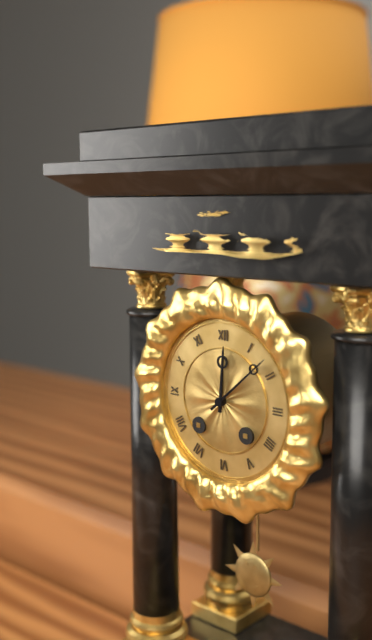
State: 12:08
